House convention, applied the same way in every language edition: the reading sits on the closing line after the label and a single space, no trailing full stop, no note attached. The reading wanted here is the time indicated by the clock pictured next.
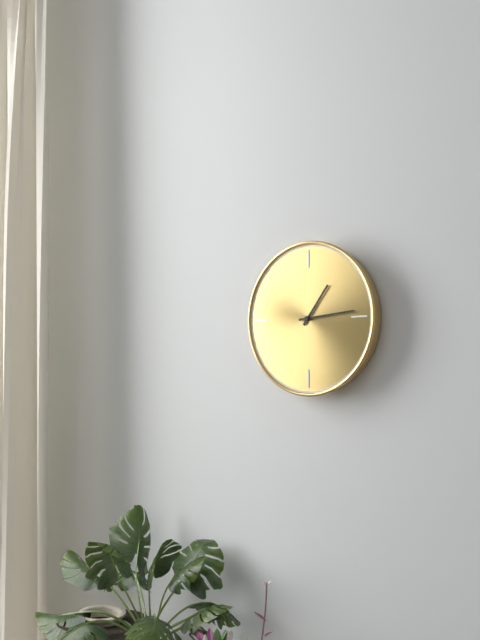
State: 1:14
